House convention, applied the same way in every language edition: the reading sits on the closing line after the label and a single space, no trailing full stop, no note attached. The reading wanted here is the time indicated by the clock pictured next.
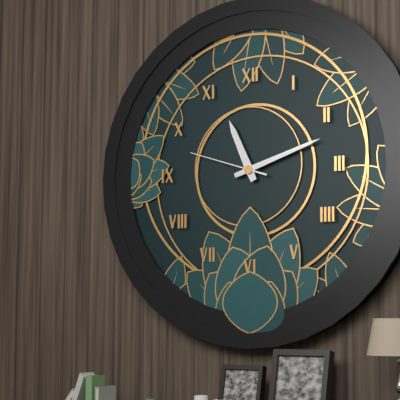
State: 11:12:48
